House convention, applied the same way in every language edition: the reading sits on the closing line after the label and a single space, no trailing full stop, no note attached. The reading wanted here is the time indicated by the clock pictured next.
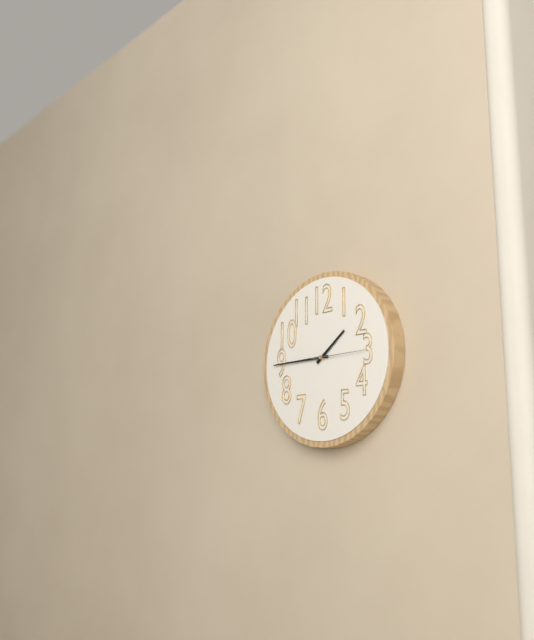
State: 1:45:15
